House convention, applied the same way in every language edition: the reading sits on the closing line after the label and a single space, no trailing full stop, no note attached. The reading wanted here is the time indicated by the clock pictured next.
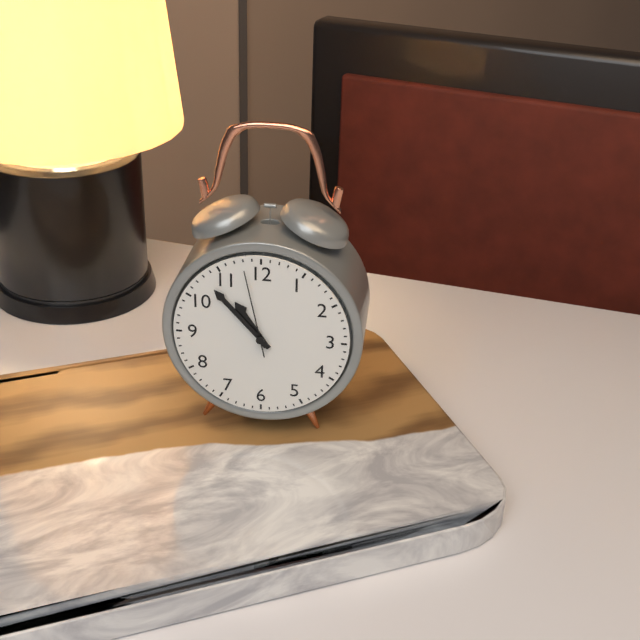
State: 10:53:58
